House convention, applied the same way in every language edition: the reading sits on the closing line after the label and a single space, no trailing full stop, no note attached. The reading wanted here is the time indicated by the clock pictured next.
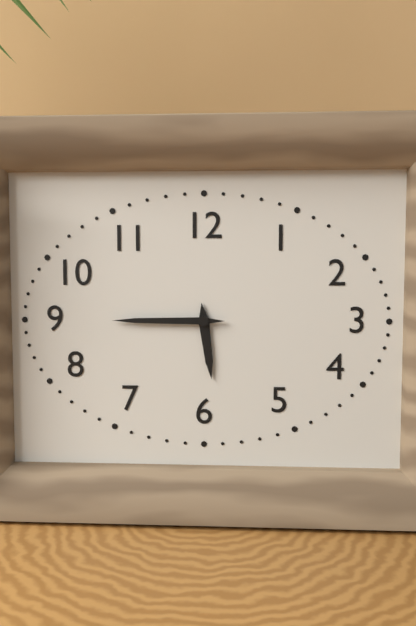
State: 5:45
